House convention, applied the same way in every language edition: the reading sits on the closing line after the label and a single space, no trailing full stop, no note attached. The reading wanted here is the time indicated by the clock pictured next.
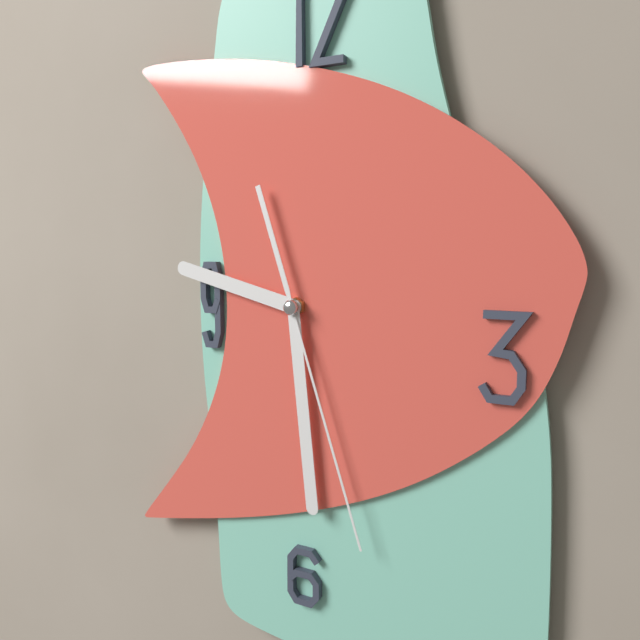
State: 9:29:27
